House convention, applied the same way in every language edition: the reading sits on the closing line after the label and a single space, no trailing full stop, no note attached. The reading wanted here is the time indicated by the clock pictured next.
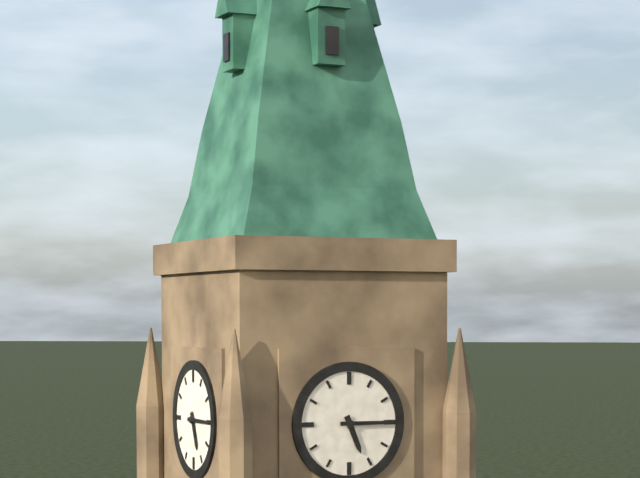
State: 5:15
